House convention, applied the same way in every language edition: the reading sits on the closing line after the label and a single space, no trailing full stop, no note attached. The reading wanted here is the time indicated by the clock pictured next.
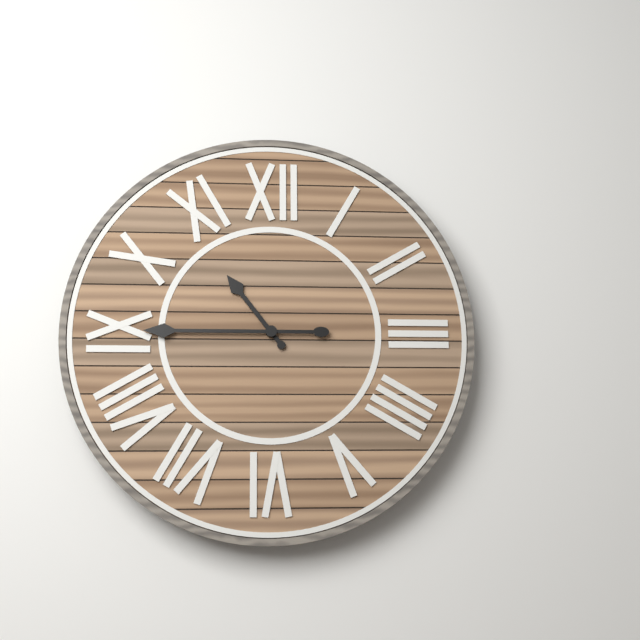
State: 10:45
